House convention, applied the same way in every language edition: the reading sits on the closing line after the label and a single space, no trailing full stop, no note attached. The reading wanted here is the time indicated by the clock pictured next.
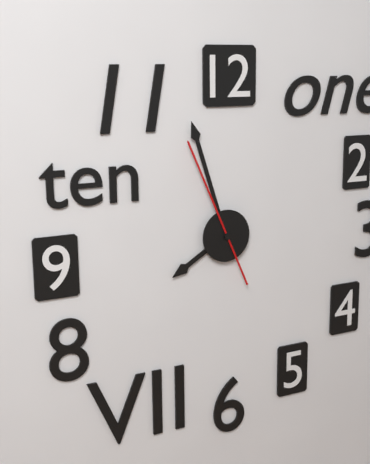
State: 7:57:56
